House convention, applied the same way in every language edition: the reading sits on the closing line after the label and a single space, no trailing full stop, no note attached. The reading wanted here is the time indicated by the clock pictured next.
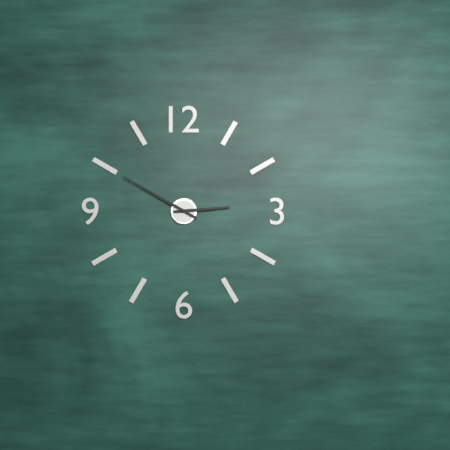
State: 2:50
